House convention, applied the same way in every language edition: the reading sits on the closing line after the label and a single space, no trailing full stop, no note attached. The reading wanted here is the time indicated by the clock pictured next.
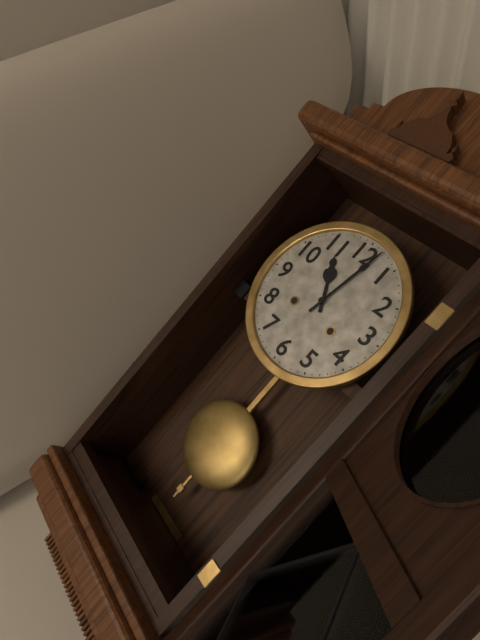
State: 11:02
